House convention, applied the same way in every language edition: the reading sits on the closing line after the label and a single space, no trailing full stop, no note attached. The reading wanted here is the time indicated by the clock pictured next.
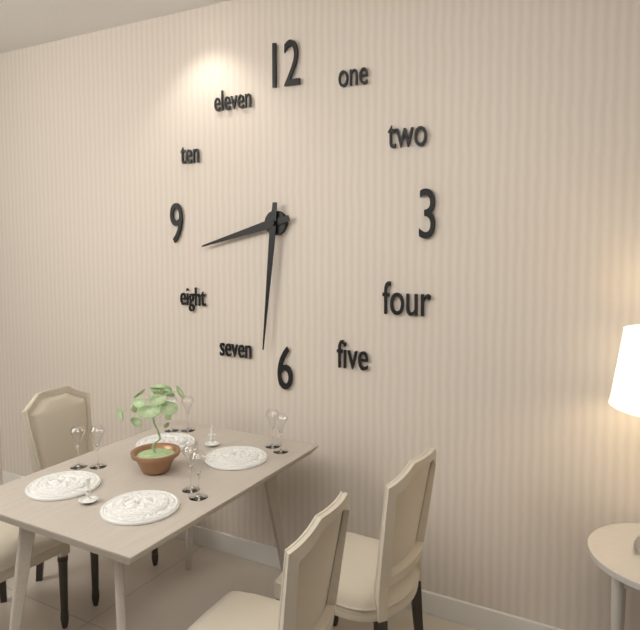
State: 8:31
